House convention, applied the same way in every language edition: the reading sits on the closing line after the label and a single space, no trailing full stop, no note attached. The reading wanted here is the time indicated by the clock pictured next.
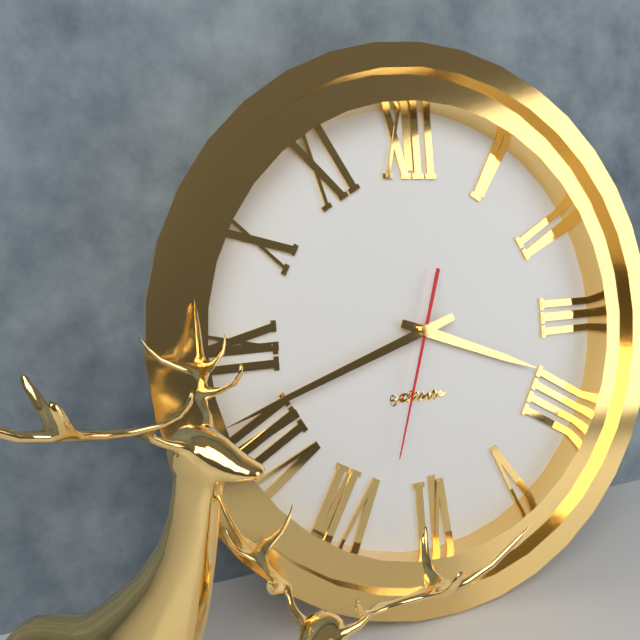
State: 3:42:33
